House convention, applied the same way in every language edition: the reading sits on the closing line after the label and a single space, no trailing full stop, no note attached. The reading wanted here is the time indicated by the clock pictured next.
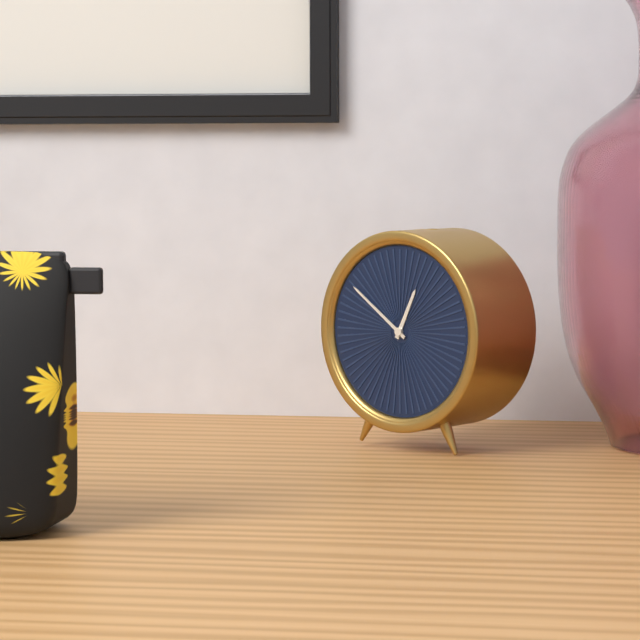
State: 12:51
